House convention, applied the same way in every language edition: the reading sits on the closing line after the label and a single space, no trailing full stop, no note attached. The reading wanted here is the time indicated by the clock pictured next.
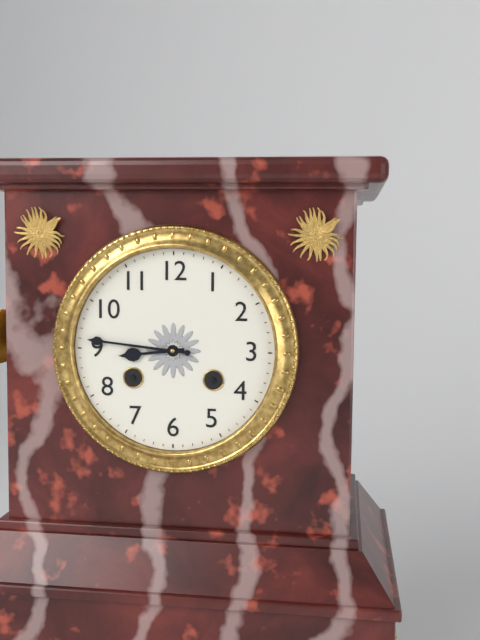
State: 8:46
